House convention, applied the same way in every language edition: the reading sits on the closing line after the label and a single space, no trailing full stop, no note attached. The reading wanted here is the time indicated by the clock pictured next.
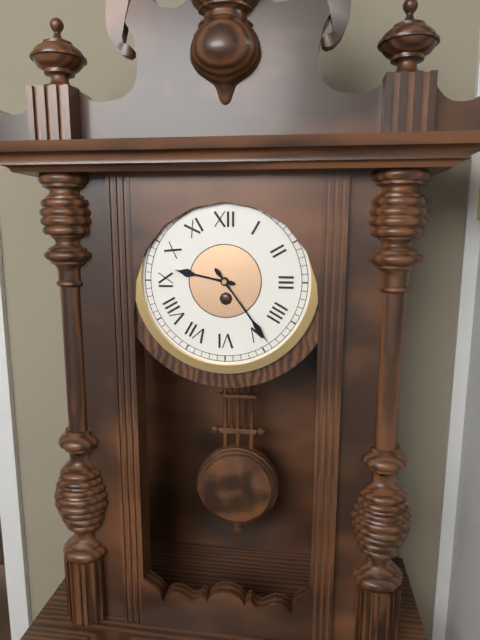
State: 9:24
